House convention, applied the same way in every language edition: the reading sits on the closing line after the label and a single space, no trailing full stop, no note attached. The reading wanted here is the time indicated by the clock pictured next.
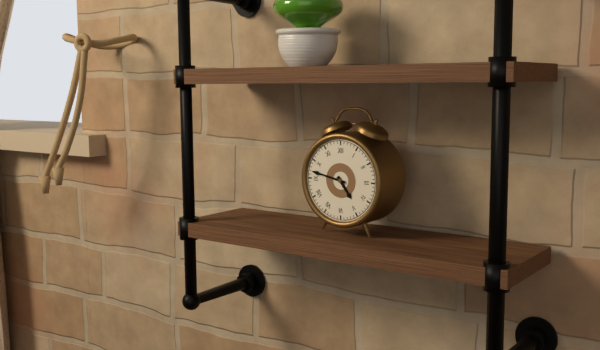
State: 4:47
